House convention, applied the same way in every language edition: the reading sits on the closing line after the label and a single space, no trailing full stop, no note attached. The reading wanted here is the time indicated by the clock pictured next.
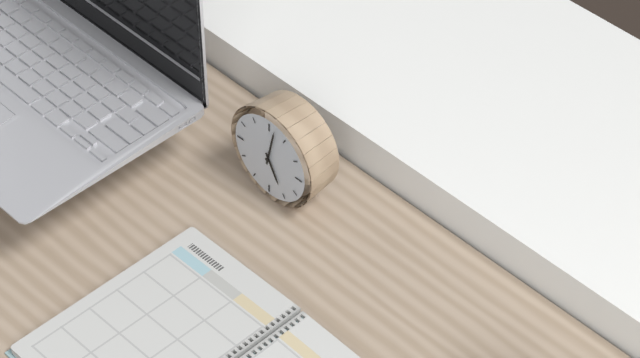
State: 5:02
